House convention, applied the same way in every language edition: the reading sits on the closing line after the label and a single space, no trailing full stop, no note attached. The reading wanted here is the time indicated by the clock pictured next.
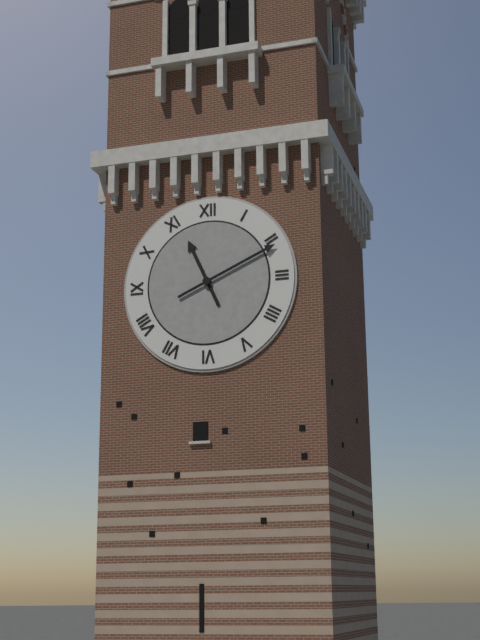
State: 11:11
